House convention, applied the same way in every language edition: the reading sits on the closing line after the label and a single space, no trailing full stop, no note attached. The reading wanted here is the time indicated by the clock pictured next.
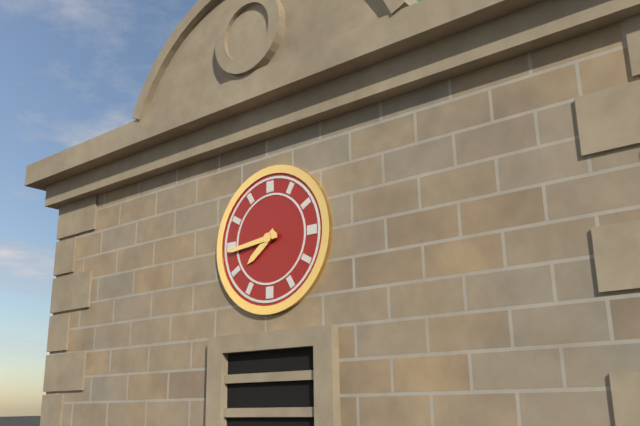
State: 7:44
